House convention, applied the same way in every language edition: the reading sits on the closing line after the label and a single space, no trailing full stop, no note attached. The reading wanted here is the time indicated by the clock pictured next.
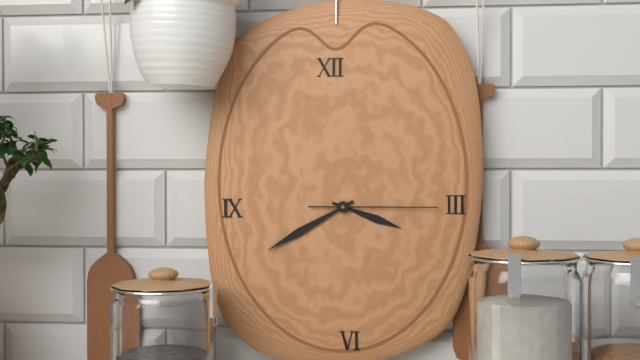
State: 3:40:15
